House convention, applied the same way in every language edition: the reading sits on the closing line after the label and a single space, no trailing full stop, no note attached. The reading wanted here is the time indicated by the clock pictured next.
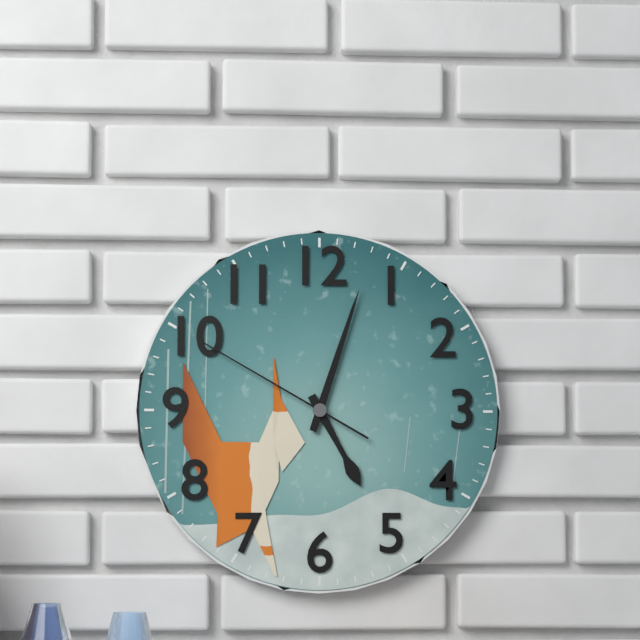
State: 5:03:50
